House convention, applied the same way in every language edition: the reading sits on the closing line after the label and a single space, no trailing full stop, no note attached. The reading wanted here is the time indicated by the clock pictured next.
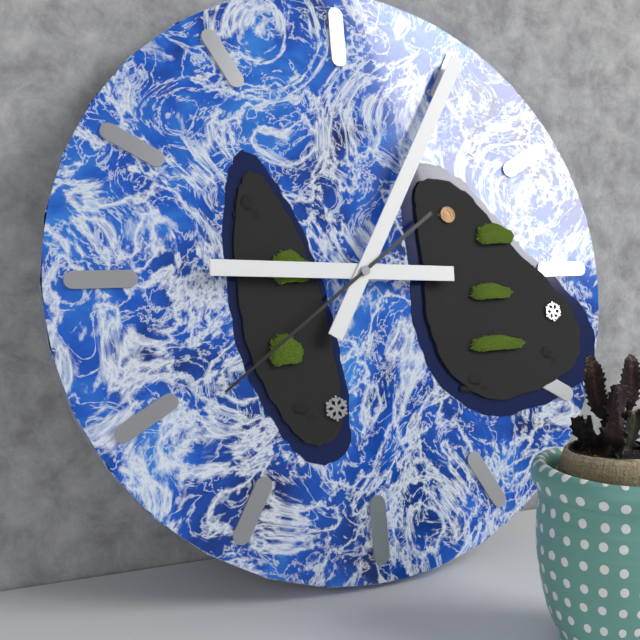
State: 9:05:39
